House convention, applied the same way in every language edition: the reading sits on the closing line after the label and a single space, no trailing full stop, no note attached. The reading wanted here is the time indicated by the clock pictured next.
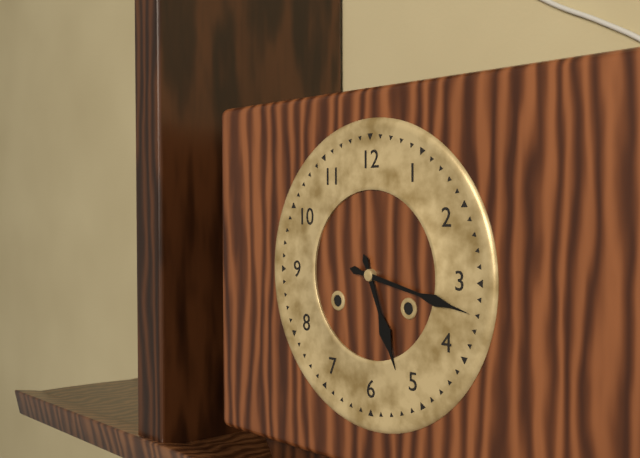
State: 5:17
